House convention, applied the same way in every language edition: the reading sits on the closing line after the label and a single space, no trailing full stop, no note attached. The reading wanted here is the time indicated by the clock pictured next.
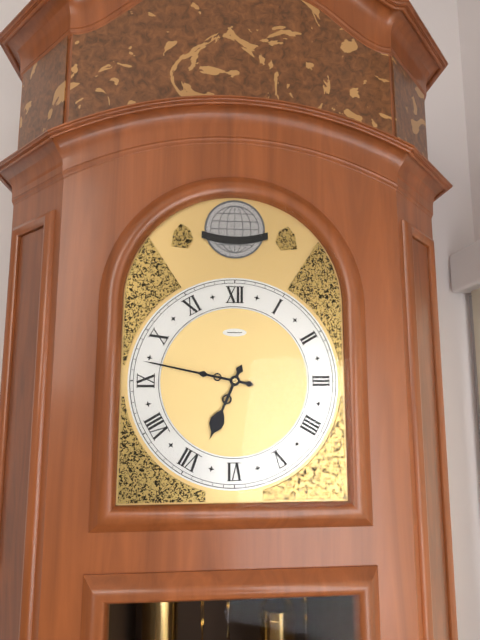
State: 6:47
